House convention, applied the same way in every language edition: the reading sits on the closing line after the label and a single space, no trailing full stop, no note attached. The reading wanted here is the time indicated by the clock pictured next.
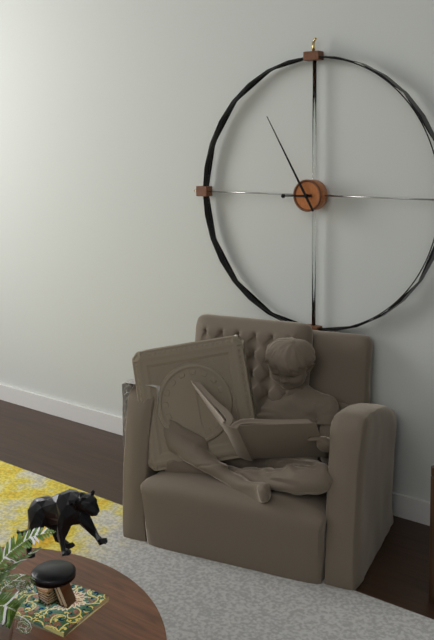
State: 8:55
